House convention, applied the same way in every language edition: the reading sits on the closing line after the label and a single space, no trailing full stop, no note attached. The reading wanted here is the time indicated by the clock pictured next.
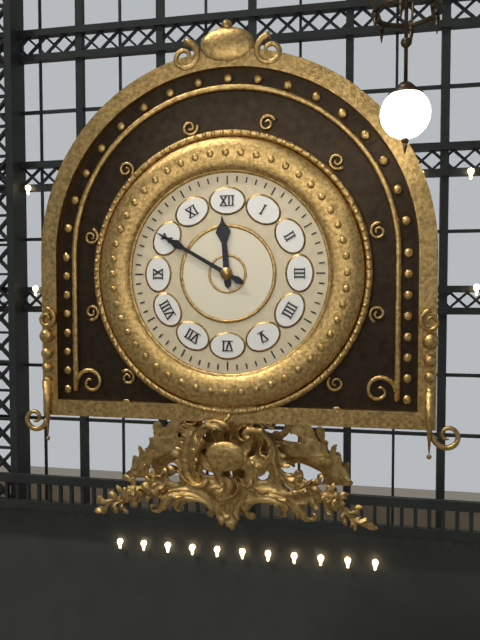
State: 11:50
